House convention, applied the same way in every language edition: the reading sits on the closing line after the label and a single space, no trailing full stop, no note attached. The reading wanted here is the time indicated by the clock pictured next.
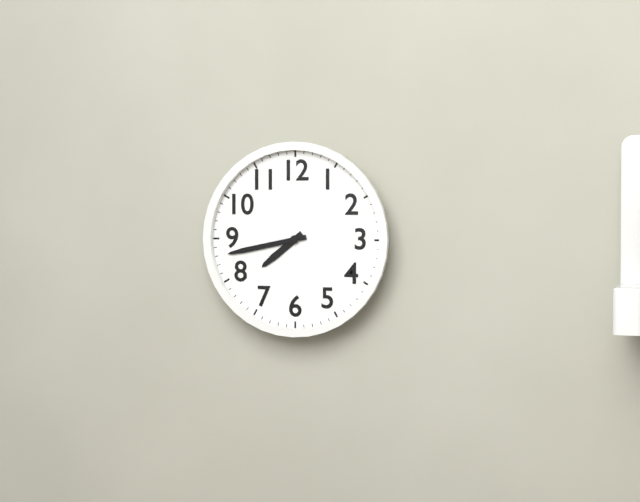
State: 7:43
